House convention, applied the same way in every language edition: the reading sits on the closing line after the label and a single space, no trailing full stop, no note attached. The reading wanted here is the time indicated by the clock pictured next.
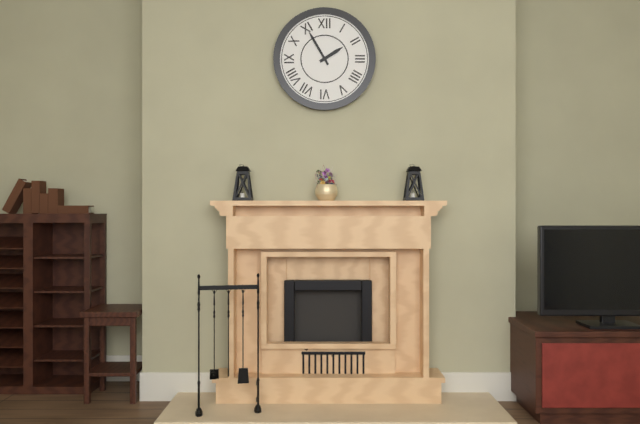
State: 1:55
